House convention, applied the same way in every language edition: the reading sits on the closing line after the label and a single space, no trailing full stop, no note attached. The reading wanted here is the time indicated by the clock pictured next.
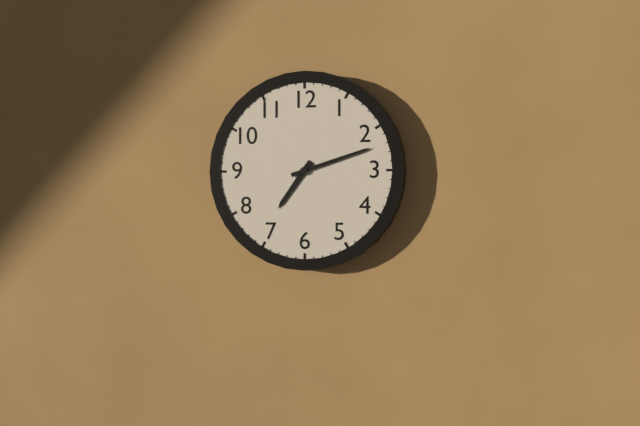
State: 7:12
